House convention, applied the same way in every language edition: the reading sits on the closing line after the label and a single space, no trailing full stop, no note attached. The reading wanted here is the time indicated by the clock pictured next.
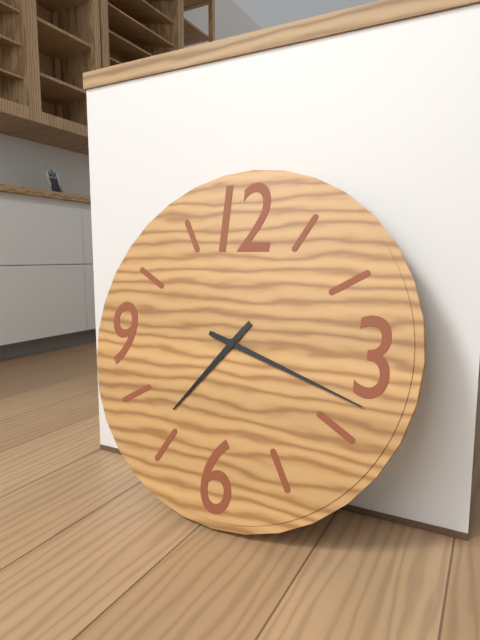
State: 7:18
